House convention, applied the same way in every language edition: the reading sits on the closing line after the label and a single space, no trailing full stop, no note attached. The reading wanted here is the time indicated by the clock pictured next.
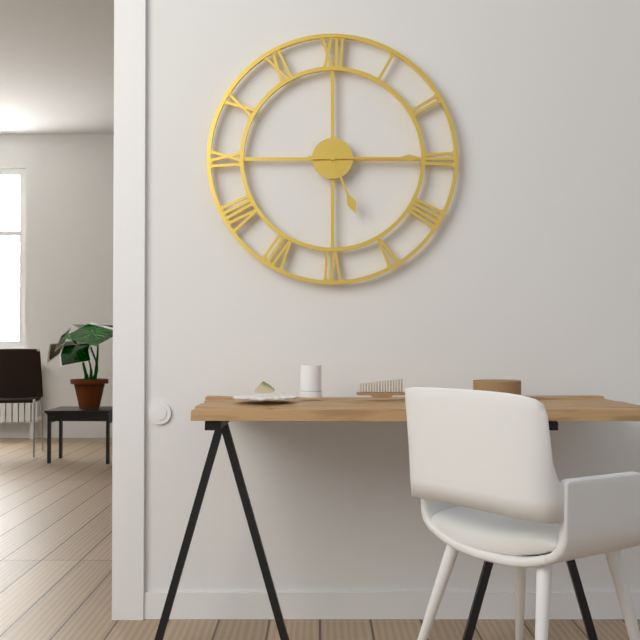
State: 5:15
